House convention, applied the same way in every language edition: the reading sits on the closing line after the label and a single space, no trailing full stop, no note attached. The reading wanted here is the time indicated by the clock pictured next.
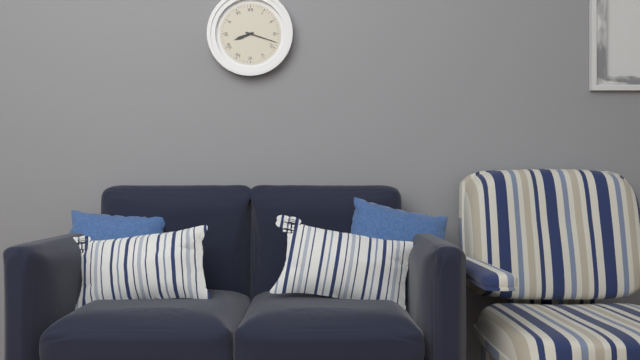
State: 8:18
